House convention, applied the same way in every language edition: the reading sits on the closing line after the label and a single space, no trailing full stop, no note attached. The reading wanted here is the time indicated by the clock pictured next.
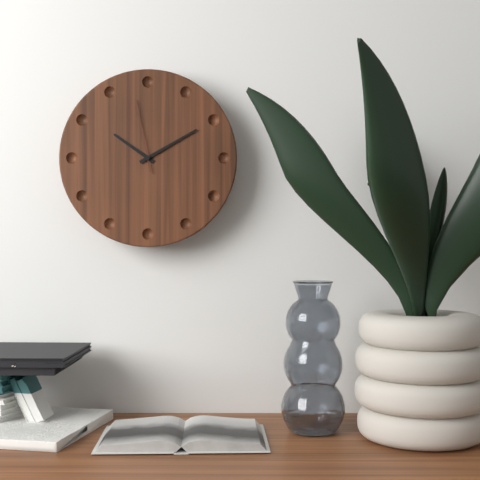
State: 10:10:58
